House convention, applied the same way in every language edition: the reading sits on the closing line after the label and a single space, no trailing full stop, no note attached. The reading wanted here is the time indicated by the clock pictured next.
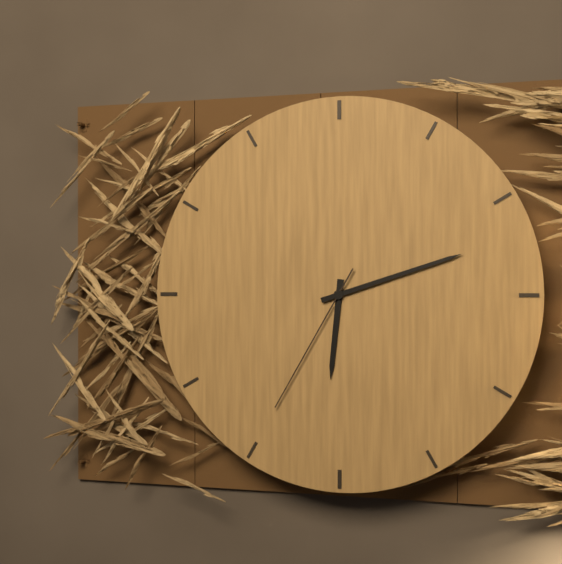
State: 6:12:35
